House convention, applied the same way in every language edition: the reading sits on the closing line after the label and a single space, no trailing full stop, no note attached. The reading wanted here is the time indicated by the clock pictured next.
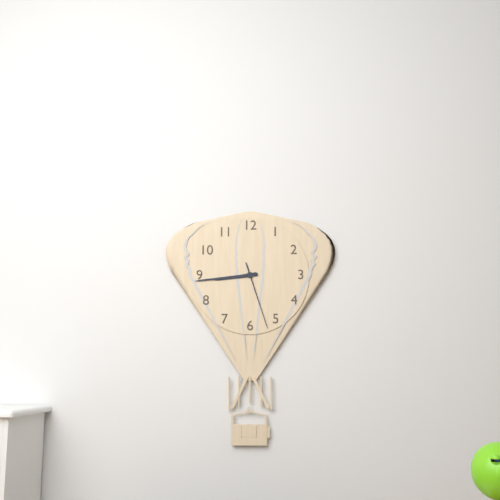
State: 8:44:27
